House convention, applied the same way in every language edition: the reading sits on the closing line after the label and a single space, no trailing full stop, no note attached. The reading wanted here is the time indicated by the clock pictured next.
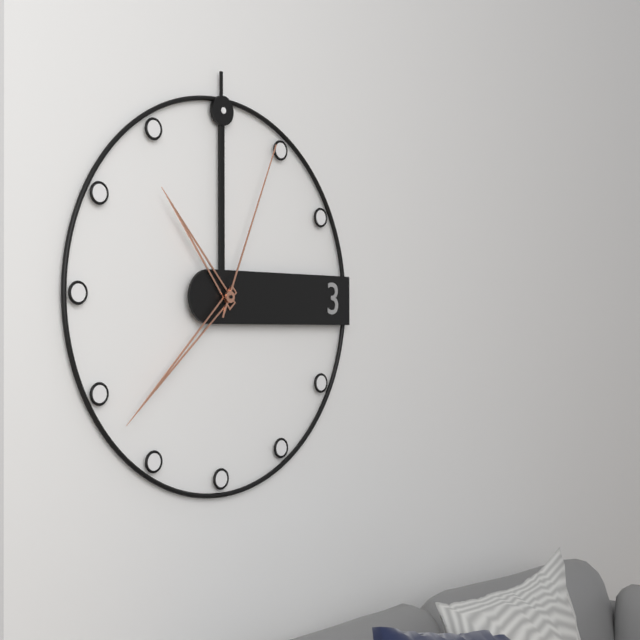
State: 10:38:04
